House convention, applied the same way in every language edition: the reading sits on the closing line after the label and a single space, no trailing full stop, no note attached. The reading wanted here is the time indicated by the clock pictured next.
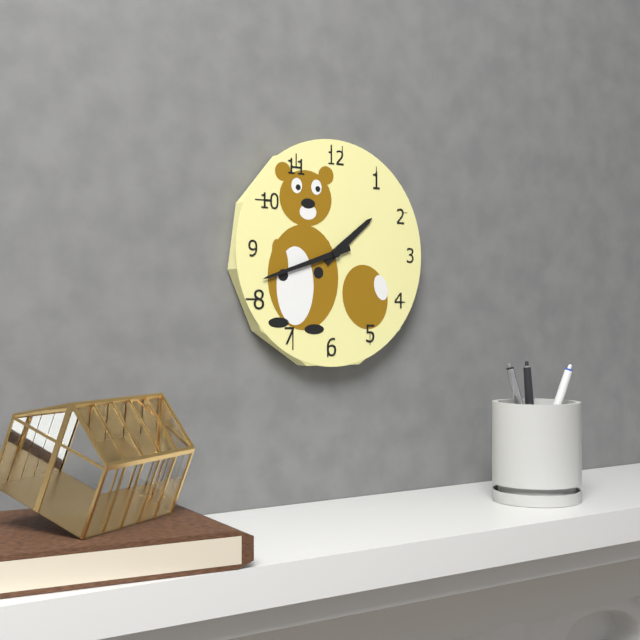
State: 1:42
